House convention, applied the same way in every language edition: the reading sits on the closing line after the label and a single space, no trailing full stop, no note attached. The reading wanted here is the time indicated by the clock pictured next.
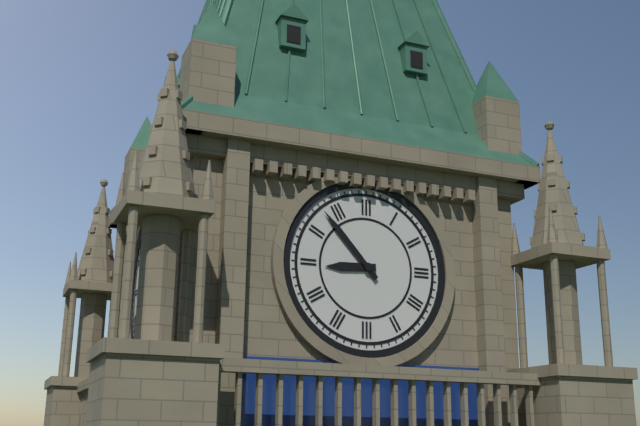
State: 8:53
